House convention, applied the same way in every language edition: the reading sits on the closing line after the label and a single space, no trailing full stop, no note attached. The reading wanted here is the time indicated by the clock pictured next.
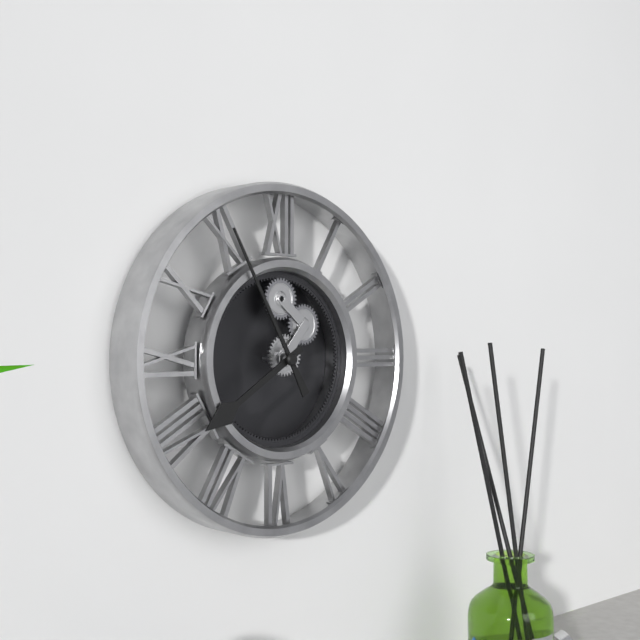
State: 7:55
